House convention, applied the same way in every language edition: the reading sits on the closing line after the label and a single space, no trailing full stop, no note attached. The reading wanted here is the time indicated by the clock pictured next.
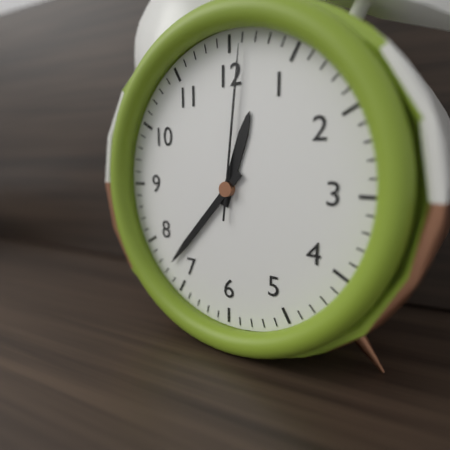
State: 12:37:01
